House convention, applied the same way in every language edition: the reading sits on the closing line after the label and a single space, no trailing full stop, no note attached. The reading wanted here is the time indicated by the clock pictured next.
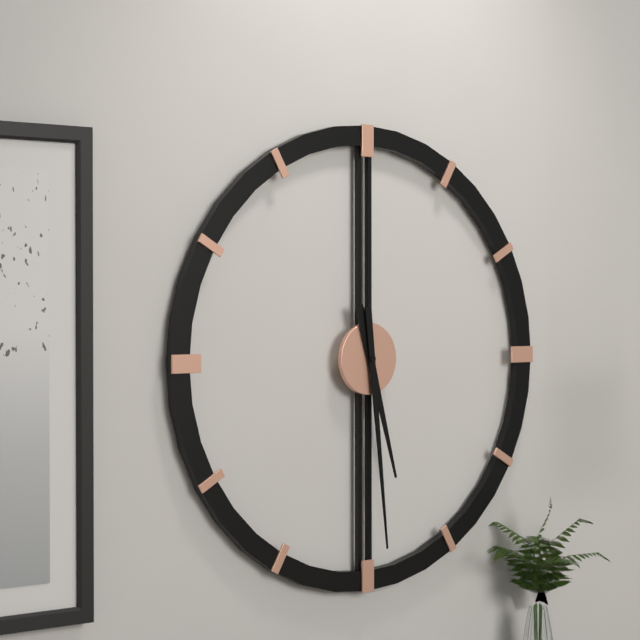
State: 5:29
